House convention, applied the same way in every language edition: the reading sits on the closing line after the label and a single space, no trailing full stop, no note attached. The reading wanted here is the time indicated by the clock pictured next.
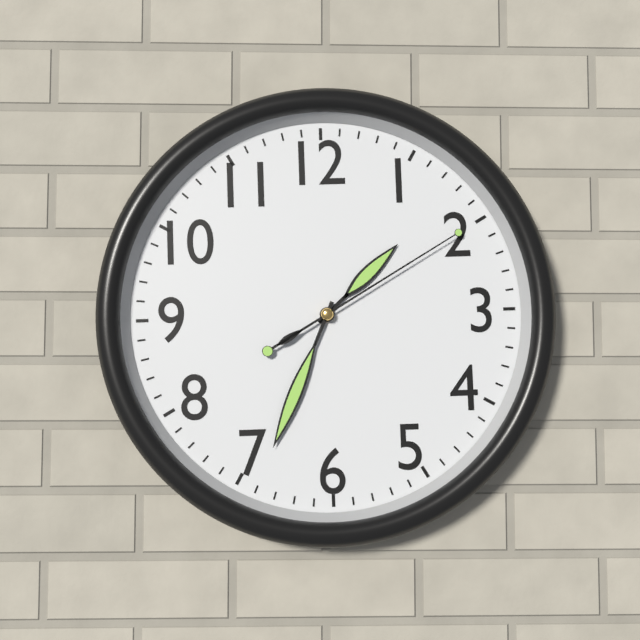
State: 1:34:10
